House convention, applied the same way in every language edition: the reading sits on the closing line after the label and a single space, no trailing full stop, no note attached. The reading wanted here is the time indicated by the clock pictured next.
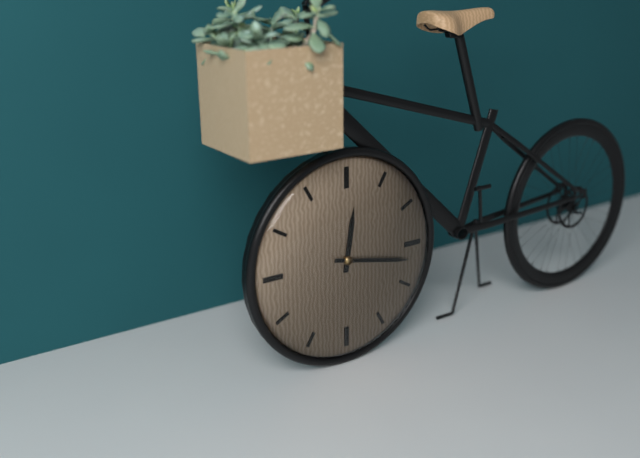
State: 12:17
